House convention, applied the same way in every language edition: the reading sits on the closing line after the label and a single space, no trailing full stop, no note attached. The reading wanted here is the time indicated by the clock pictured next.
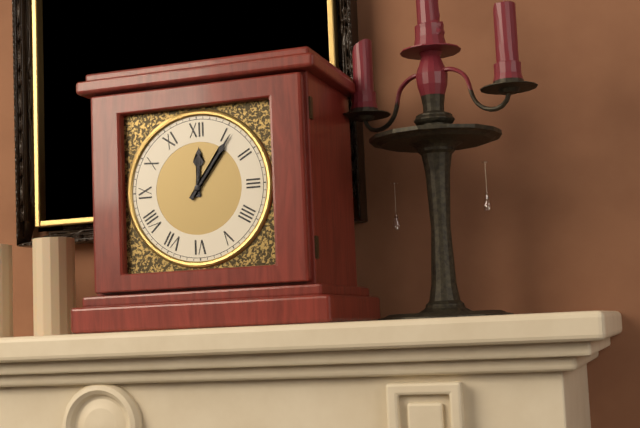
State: 12:06
